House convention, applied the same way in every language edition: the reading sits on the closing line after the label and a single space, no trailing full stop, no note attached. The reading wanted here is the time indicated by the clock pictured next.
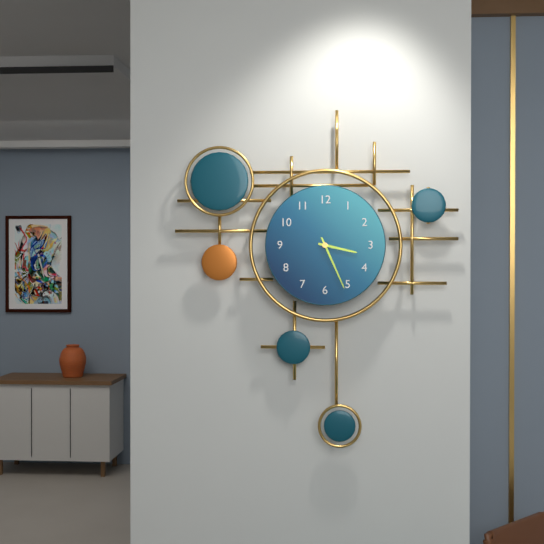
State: 3:26
